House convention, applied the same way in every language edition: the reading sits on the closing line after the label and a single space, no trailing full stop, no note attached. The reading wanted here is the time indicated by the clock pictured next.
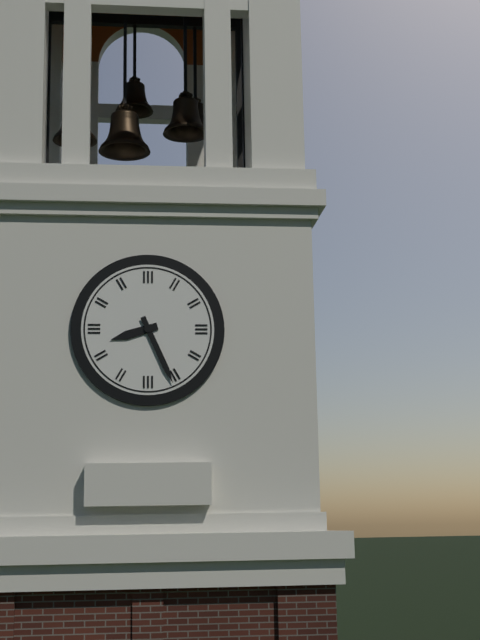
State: 8:26
